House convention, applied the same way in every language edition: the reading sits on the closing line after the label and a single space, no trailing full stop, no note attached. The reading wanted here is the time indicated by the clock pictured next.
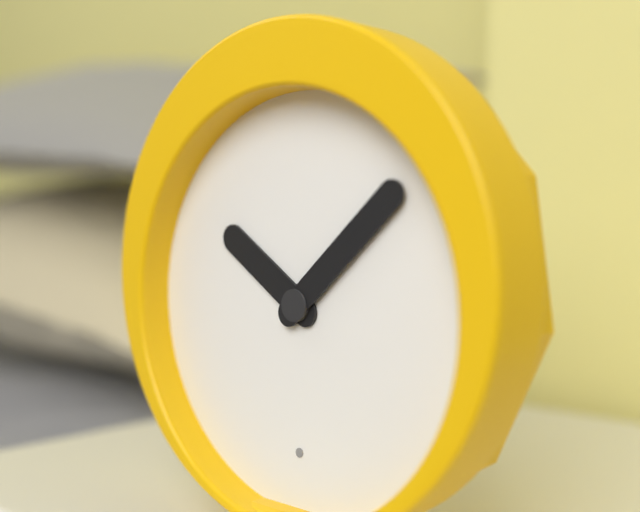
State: 10:08
